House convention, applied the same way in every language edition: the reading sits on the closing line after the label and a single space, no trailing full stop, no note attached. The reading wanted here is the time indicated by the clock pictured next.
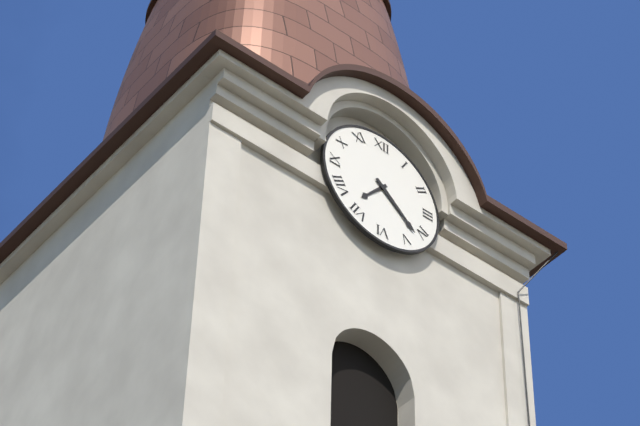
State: 7:22
